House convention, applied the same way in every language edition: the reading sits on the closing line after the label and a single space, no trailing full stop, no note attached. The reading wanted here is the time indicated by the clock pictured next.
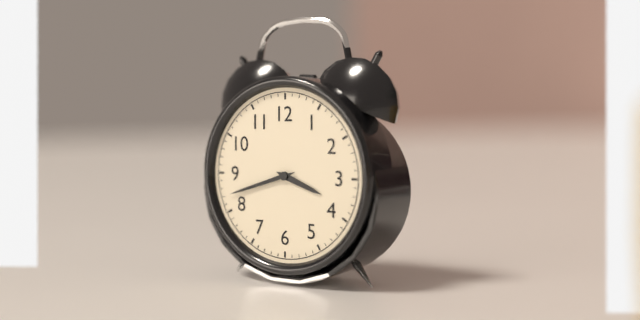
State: 3:42
